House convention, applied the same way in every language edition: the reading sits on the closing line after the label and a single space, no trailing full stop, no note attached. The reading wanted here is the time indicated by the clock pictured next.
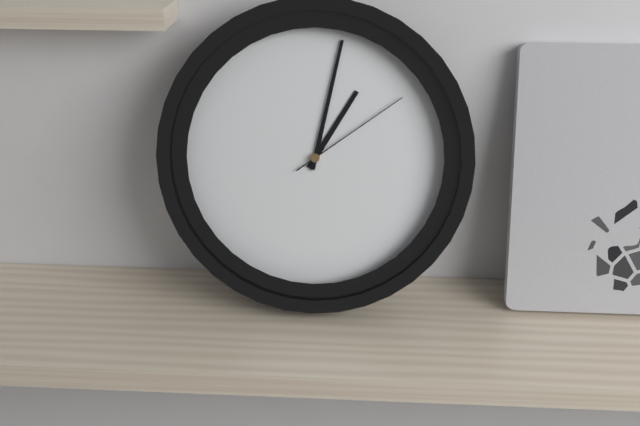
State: 1:02:09
